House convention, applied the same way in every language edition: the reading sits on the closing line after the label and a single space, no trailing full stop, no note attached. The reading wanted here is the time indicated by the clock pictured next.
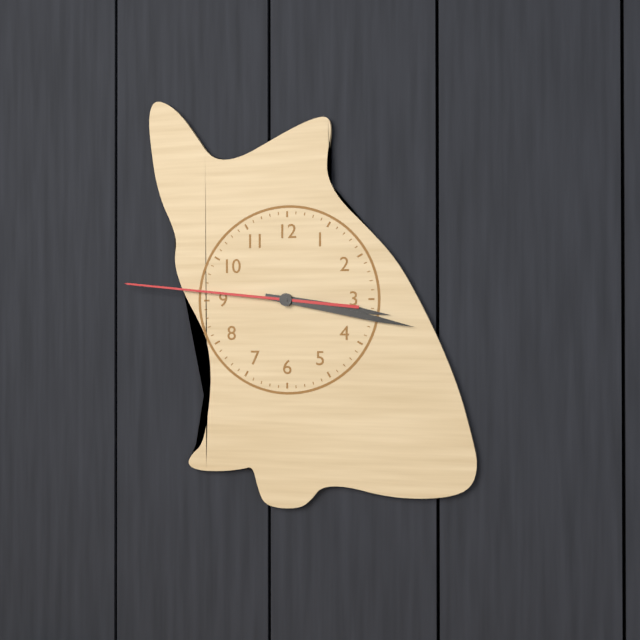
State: 3:17:46
